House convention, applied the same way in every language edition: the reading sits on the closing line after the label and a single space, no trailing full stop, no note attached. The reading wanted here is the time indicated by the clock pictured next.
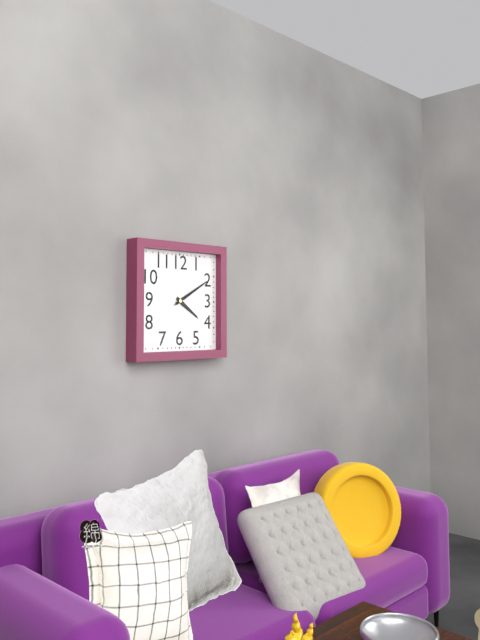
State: 4:10
